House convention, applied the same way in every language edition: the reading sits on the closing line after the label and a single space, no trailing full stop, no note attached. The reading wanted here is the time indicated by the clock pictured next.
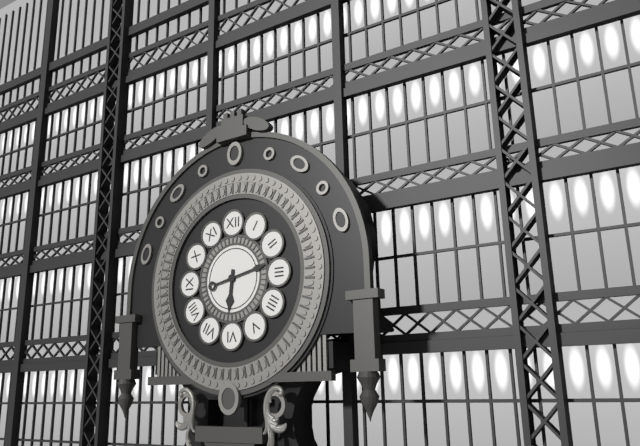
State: 6:13
